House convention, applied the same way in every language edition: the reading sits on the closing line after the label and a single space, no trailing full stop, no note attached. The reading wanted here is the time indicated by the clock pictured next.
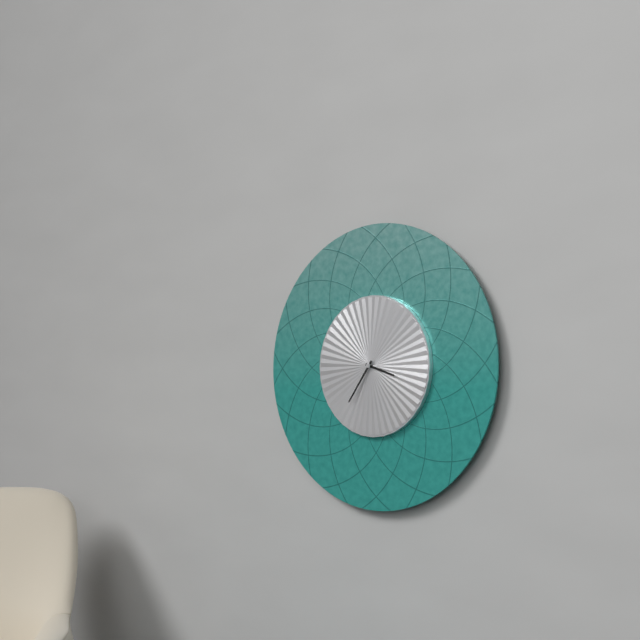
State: 3:36
